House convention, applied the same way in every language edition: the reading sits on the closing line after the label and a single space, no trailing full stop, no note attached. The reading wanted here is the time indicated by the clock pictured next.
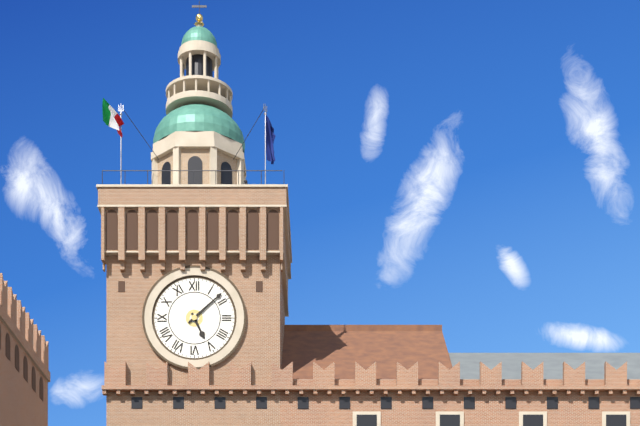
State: 5:08
